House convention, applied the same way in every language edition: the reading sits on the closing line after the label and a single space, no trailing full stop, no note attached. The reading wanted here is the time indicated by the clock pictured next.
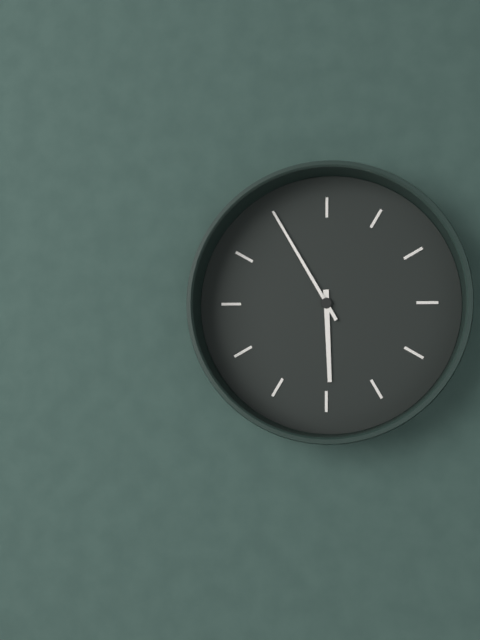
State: 5:55
